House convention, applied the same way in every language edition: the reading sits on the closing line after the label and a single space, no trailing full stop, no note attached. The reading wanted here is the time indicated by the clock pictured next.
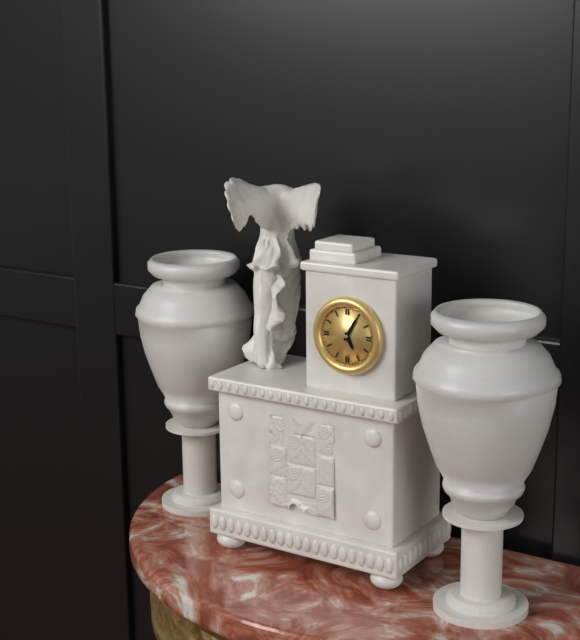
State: 5:05
